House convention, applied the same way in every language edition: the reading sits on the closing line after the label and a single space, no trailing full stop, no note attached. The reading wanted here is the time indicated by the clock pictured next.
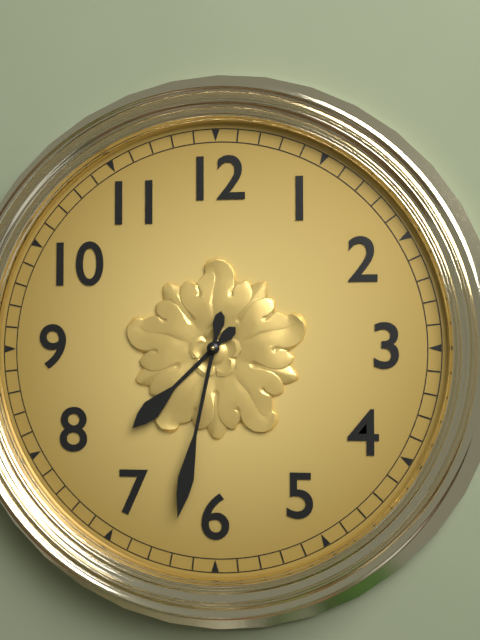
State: 7:32
